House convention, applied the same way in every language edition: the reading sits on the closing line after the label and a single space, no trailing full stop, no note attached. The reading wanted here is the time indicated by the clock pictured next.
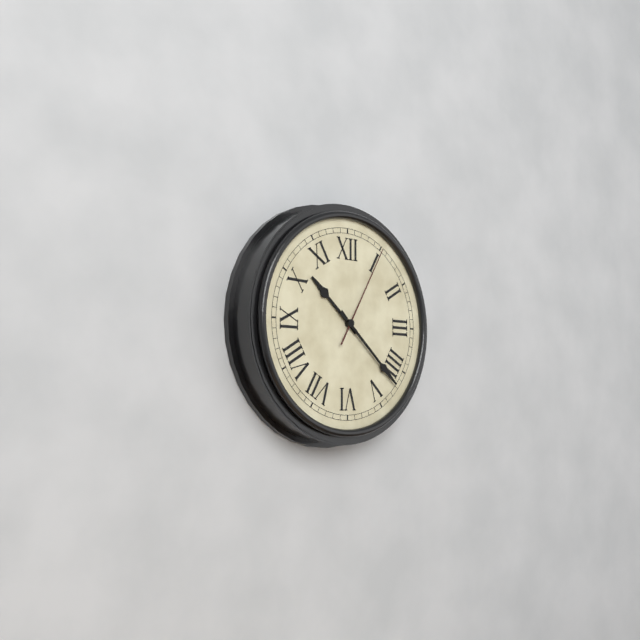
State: 10:22:05
